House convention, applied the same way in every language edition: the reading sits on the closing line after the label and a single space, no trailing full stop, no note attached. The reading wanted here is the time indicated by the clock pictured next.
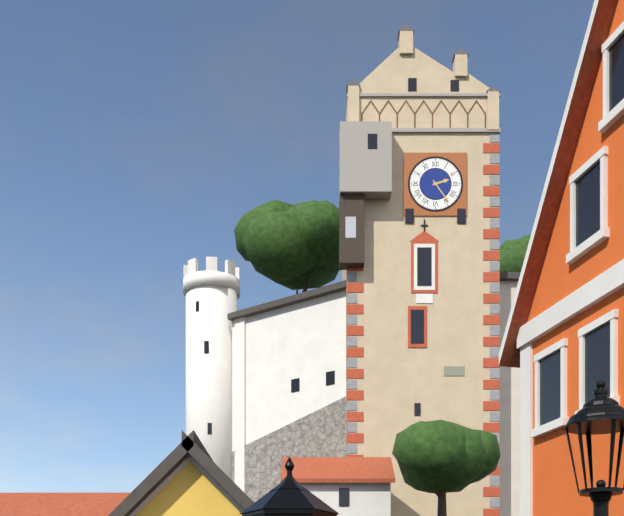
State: 2:24
